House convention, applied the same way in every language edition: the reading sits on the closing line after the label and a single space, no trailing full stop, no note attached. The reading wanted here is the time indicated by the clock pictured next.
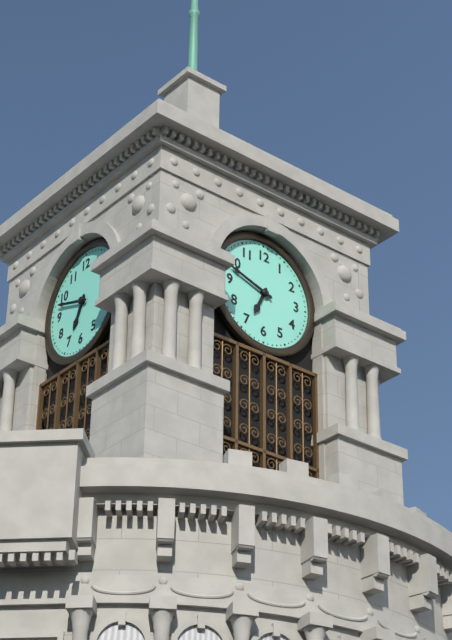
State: 6:48
